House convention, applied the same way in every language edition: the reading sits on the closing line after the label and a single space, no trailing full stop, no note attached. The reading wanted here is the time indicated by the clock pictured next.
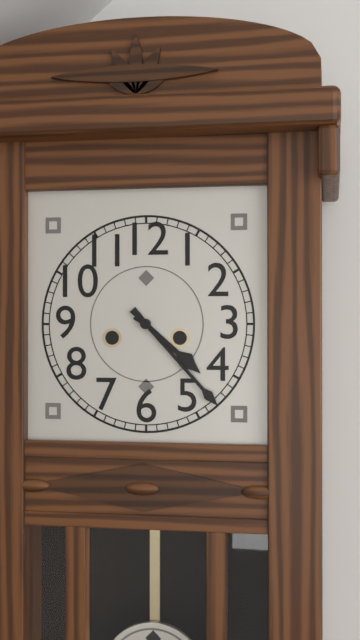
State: 4:23
